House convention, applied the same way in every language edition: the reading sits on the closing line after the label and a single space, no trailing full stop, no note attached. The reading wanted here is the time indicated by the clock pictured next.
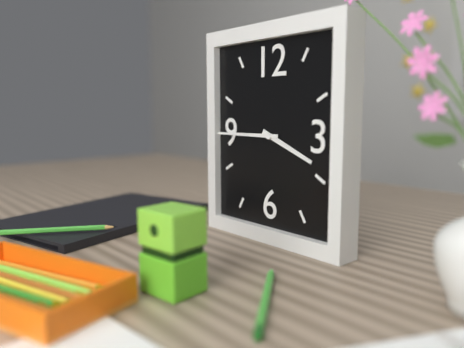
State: 3:45
